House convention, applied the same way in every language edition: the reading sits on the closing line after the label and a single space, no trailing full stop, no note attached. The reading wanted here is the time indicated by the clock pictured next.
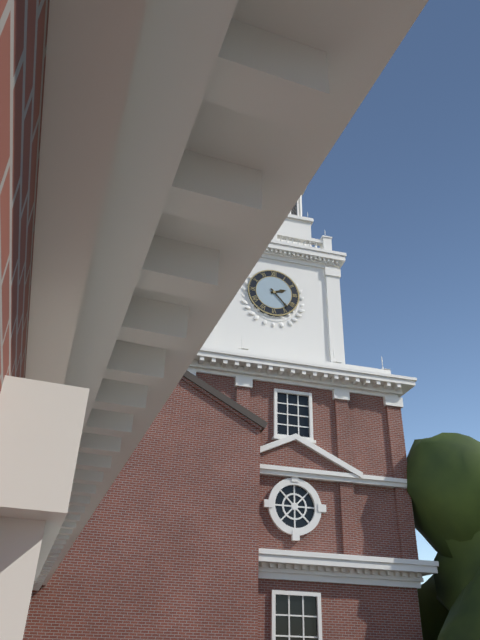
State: 2:23
